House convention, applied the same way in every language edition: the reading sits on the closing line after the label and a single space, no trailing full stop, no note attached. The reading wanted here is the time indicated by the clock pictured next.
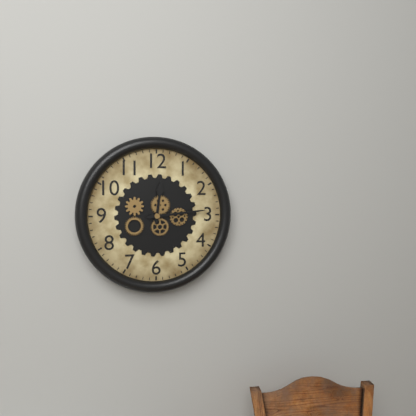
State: 12:14
